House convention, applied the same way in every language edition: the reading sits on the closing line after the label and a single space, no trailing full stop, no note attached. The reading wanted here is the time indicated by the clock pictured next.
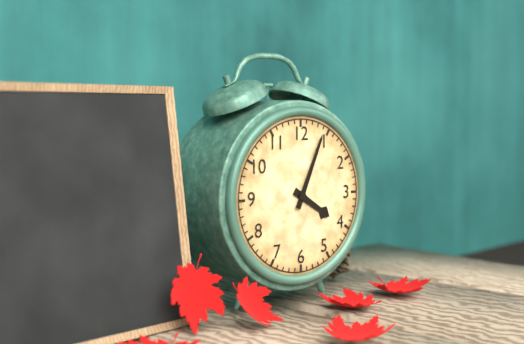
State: 4:04
